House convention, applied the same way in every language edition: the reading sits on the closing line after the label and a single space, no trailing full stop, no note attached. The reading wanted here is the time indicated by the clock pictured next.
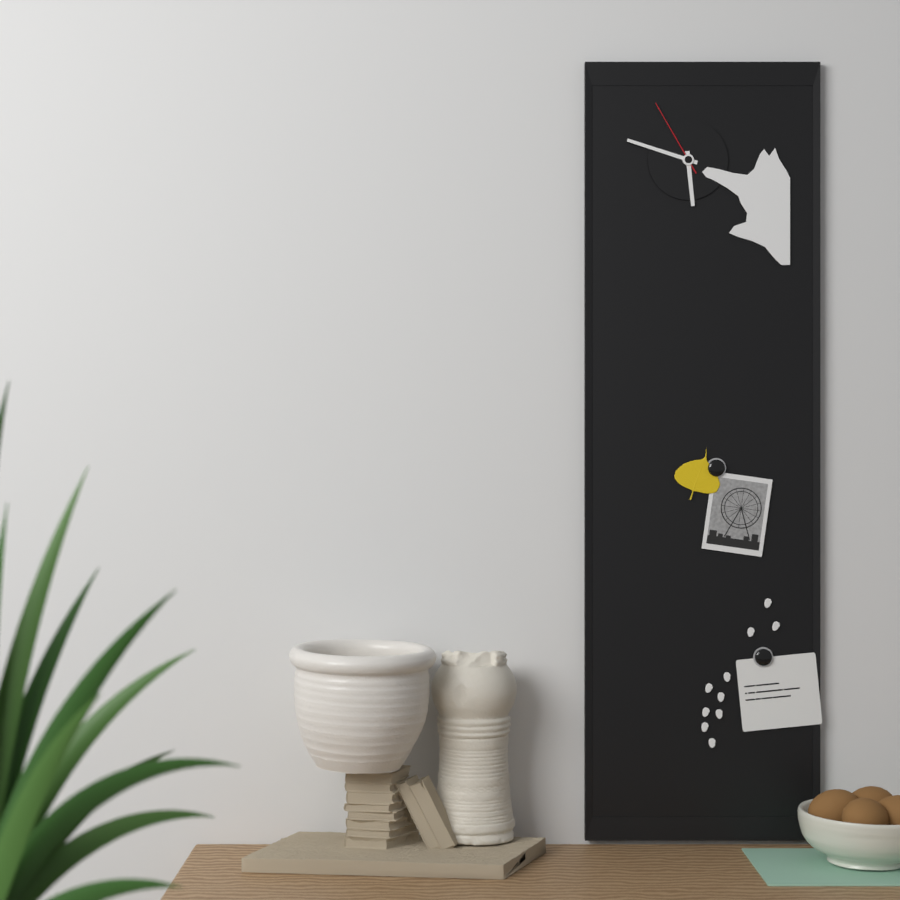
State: 5:48:55
